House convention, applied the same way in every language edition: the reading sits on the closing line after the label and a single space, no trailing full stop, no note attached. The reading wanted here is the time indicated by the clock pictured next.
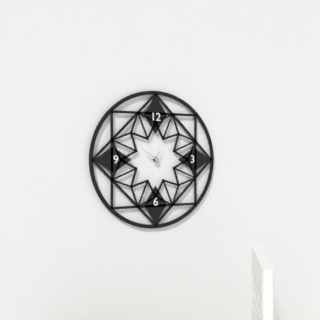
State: 12:51
